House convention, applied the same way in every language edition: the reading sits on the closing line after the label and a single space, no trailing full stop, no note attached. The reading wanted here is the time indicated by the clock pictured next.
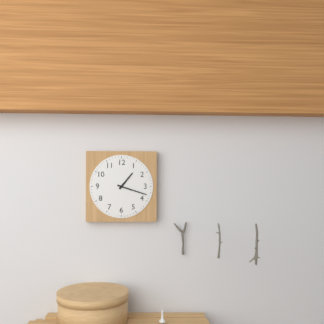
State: 1:18
